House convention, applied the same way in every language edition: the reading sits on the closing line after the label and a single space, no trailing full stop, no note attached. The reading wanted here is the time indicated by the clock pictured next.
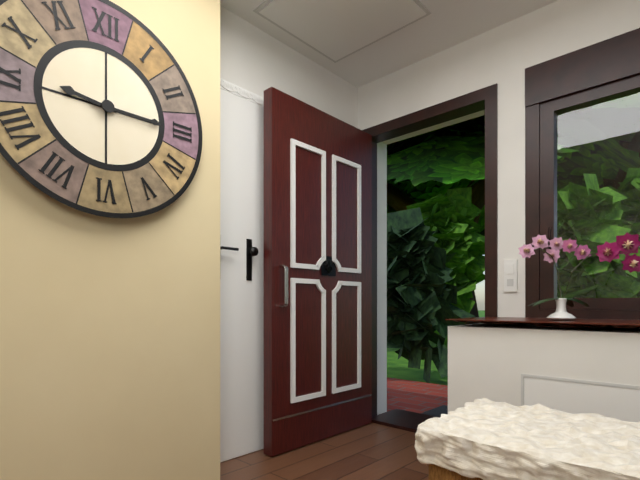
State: 9:15
